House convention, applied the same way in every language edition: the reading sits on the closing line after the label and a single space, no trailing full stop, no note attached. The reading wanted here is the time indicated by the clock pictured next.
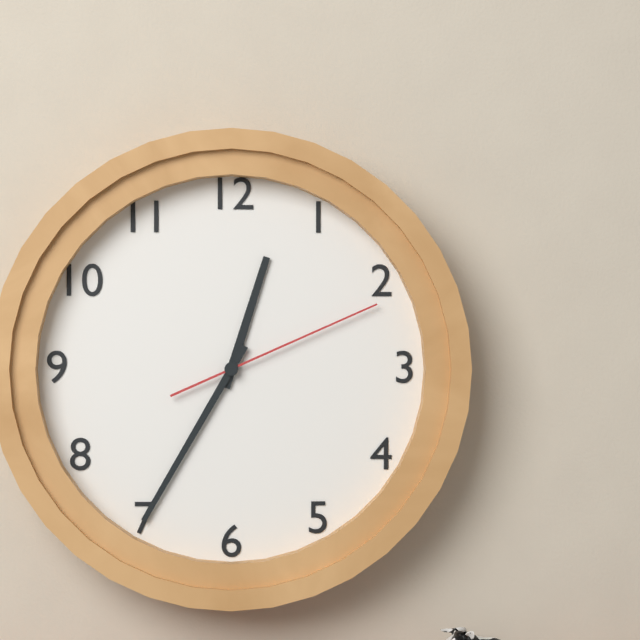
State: 12:35:11
